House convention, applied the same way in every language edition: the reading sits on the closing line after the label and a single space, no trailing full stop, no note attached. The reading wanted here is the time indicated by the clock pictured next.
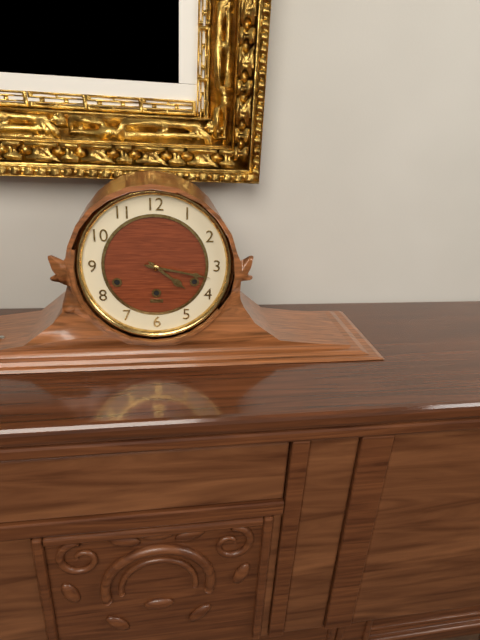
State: 4:17
